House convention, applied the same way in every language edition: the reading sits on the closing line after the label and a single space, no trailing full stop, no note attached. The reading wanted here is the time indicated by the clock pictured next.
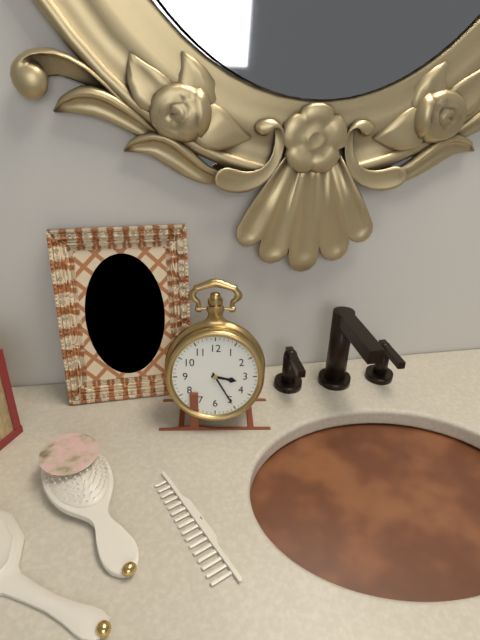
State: 3:25
